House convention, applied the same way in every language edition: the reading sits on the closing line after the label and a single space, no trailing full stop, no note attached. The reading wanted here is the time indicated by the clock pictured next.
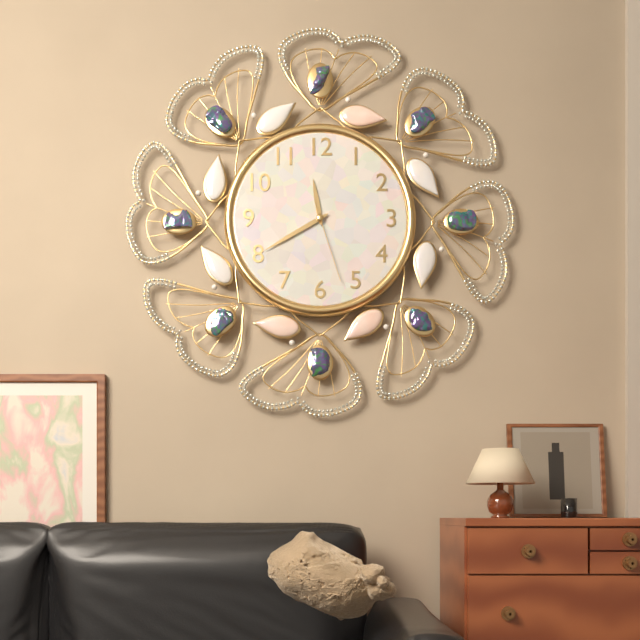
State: 11:40:27
